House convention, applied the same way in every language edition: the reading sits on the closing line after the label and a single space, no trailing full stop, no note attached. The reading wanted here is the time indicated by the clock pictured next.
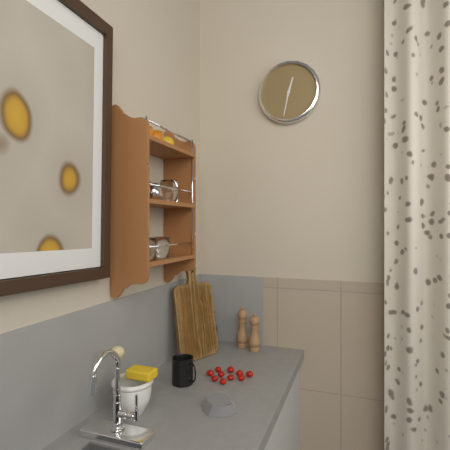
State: 12:32
